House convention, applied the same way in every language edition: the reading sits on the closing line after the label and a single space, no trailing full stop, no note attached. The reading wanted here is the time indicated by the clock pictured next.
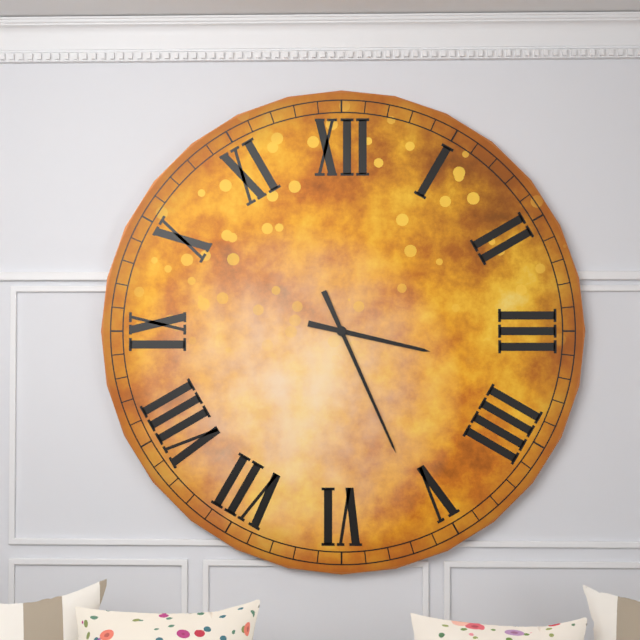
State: 3:26
